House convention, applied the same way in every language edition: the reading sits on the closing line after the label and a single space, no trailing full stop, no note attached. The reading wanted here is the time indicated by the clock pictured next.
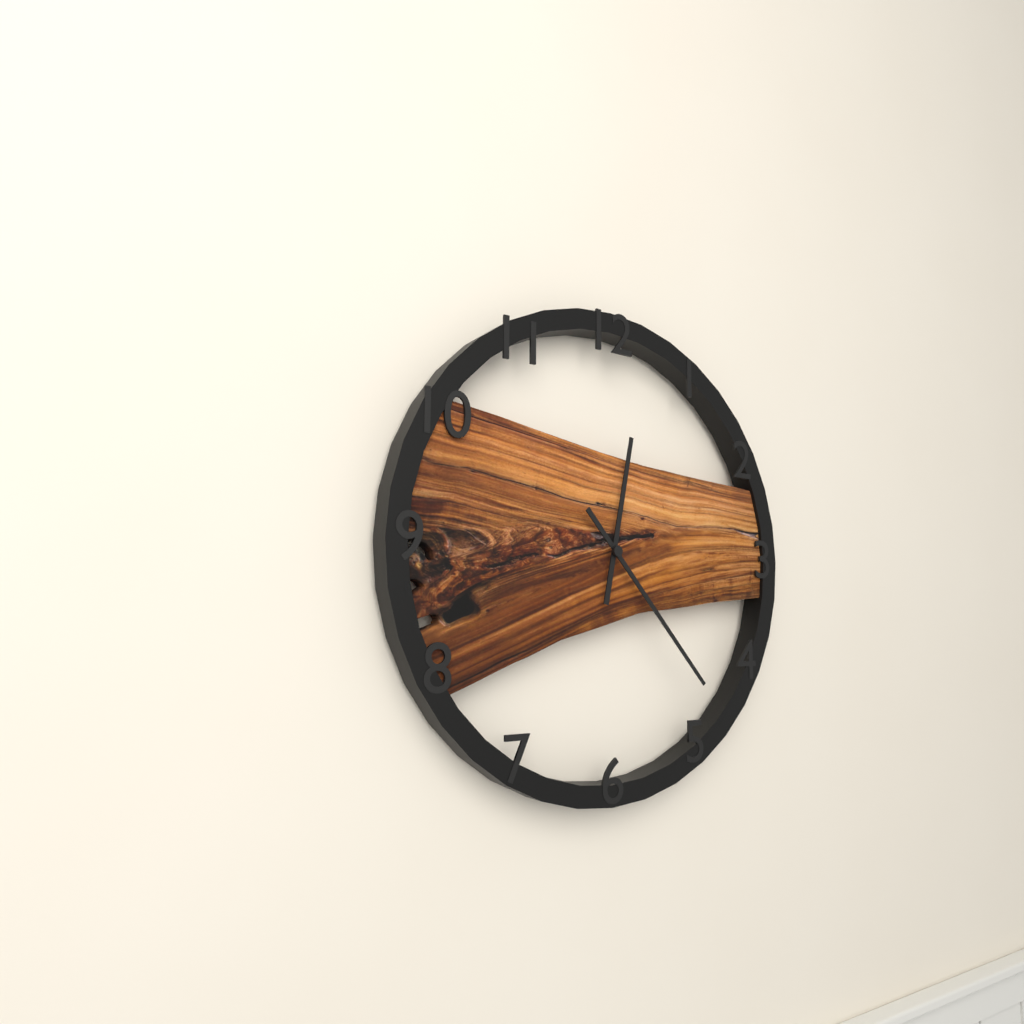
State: 12:23
